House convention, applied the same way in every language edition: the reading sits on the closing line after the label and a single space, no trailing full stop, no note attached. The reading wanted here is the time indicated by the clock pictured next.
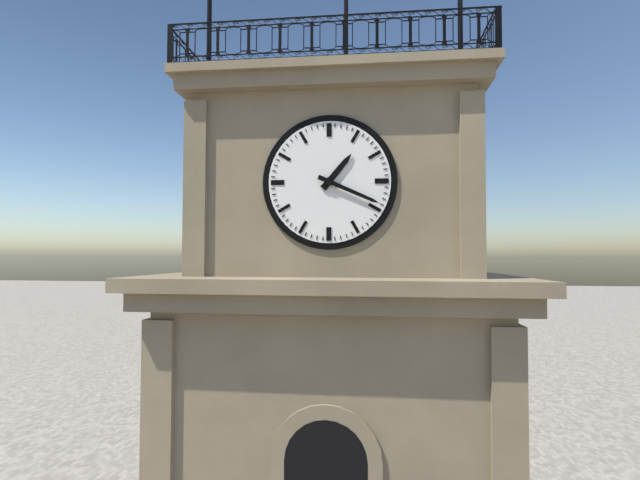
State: 1:19
